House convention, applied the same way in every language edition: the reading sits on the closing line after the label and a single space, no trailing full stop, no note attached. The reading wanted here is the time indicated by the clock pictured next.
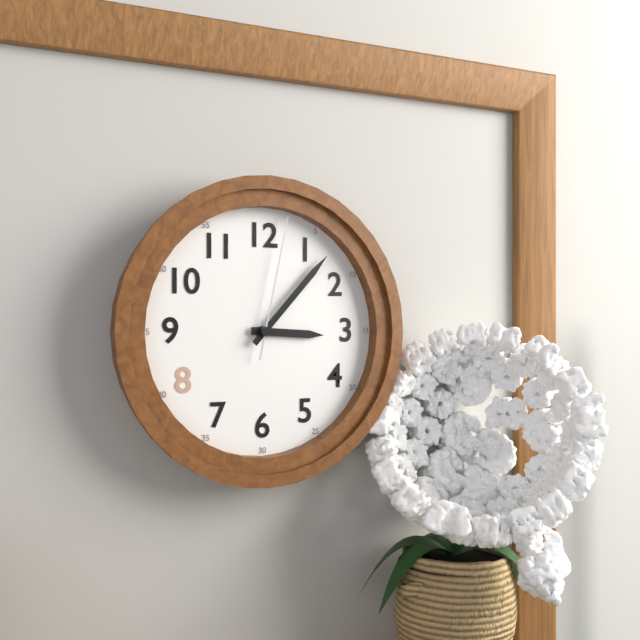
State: 3:07:02
